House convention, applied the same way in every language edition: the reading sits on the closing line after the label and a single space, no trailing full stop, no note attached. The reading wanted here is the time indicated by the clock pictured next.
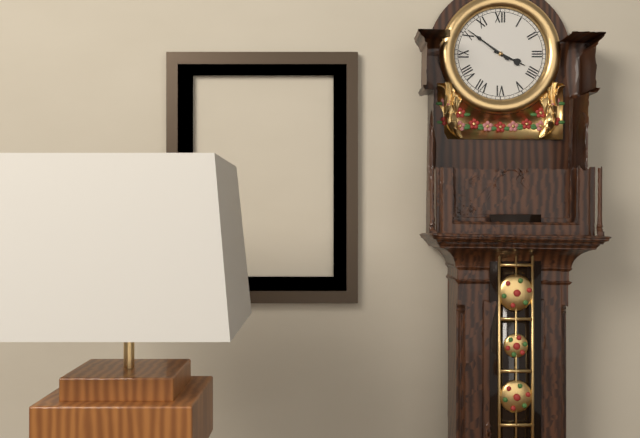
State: 3:51
